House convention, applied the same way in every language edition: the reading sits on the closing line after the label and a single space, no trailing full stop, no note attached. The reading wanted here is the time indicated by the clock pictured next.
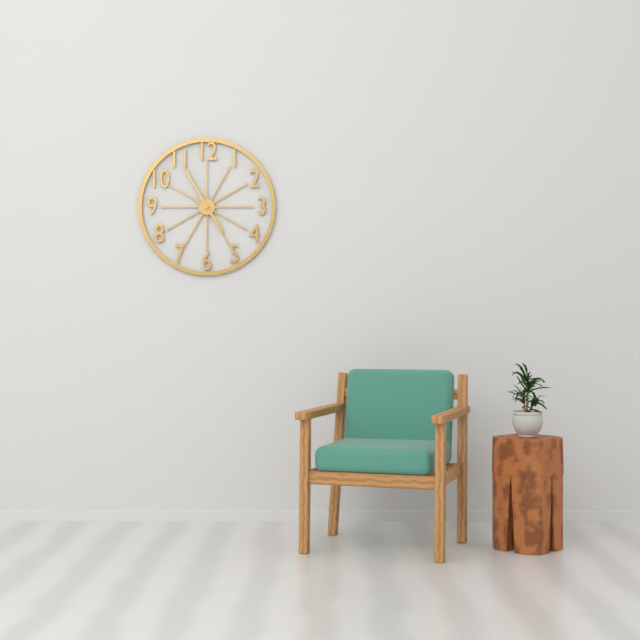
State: 4:55
